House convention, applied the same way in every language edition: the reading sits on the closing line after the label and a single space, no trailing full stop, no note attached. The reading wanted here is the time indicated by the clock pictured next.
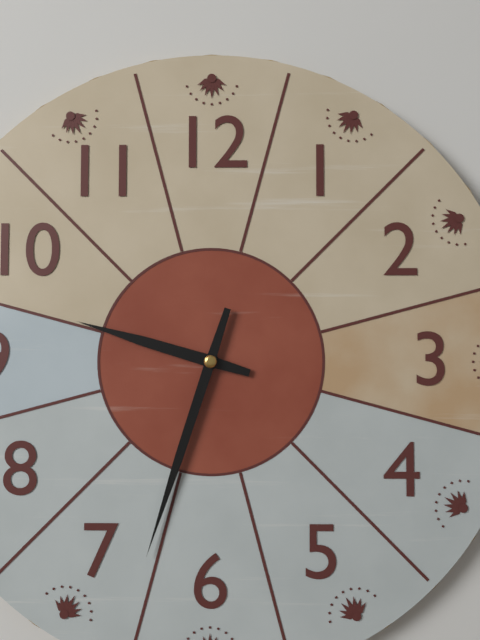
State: 9:33
